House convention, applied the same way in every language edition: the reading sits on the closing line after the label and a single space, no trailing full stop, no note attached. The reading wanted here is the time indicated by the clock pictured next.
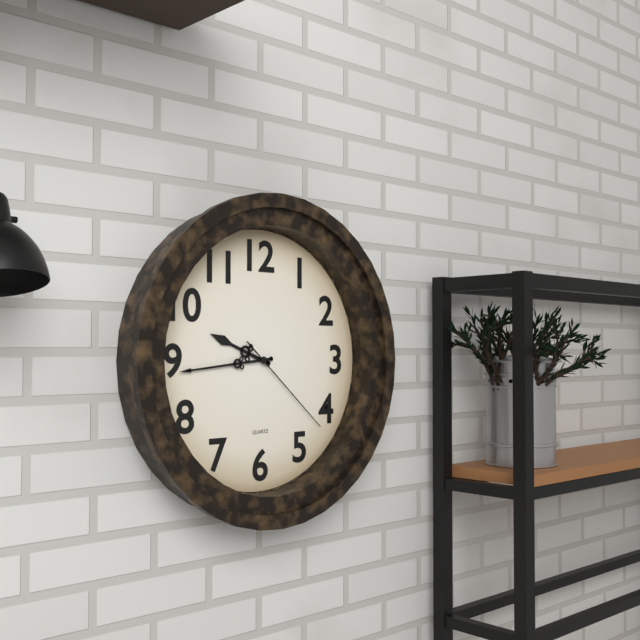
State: 9:44:22
